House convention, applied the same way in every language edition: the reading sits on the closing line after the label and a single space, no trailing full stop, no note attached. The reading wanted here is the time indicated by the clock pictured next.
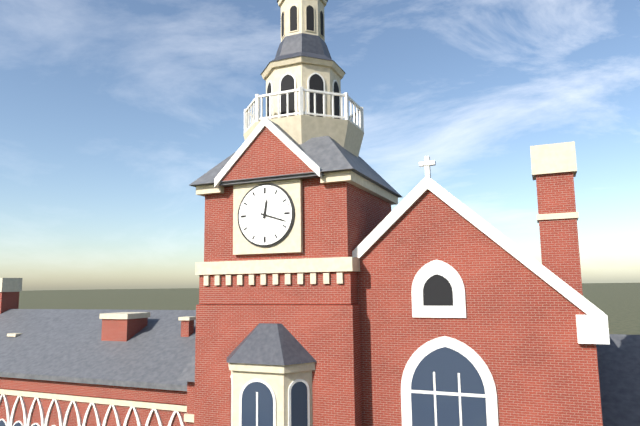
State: 12:18
